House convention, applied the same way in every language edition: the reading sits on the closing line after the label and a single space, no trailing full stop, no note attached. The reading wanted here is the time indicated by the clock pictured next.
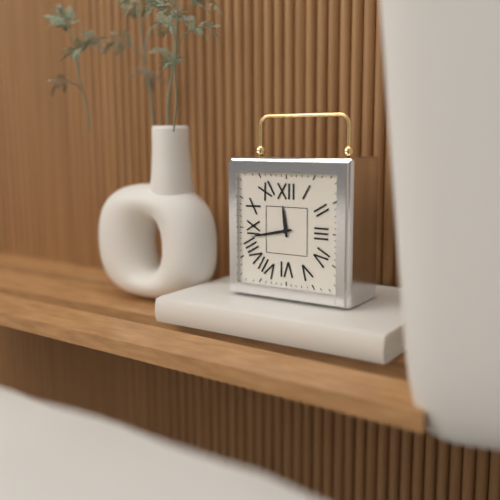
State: 11:43
